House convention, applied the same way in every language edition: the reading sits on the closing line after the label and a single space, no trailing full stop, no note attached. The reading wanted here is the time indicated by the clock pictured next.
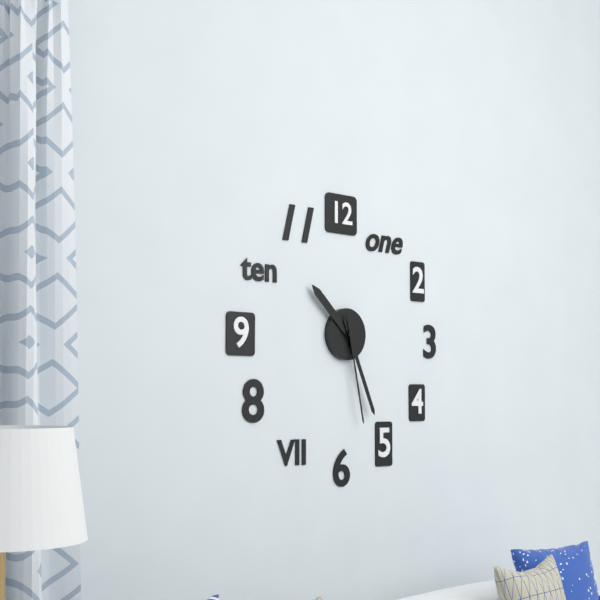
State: 10:26:28
